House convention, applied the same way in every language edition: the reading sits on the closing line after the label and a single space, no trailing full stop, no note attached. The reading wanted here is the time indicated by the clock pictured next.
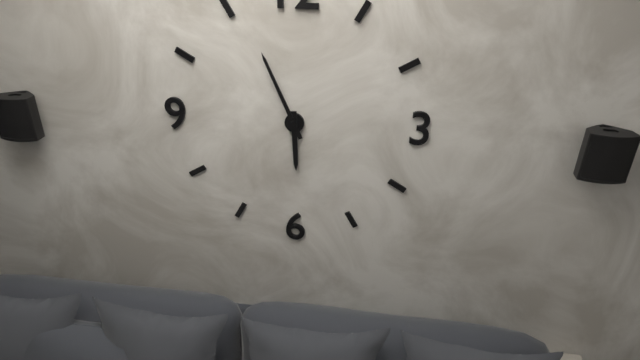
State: 5:56
